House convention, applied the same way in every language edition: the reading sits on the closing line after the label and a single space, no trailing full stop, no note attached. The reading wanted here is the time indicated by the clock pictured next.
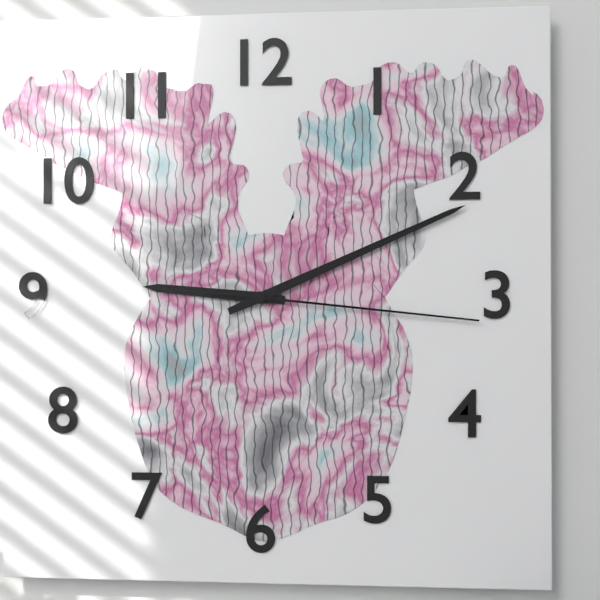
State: 9:11:16
